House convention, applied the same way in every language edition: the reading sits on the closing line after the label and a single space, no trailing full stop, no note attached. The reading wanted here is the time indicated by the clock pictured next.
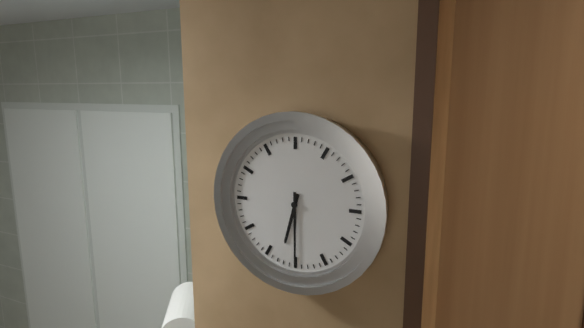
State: 6:30
